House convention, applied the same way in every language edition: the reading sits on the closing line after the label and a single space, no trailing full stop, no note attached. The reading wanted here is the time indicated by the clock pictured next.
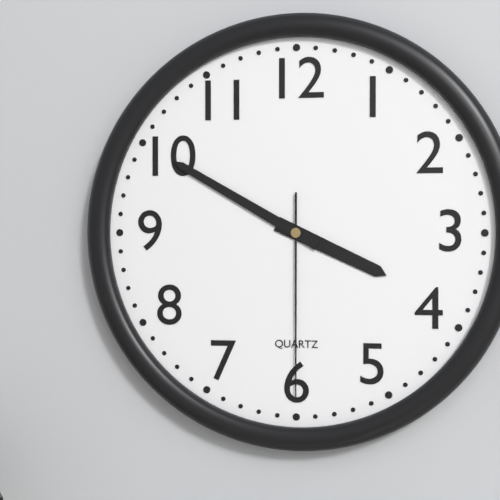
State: 3:50:30
